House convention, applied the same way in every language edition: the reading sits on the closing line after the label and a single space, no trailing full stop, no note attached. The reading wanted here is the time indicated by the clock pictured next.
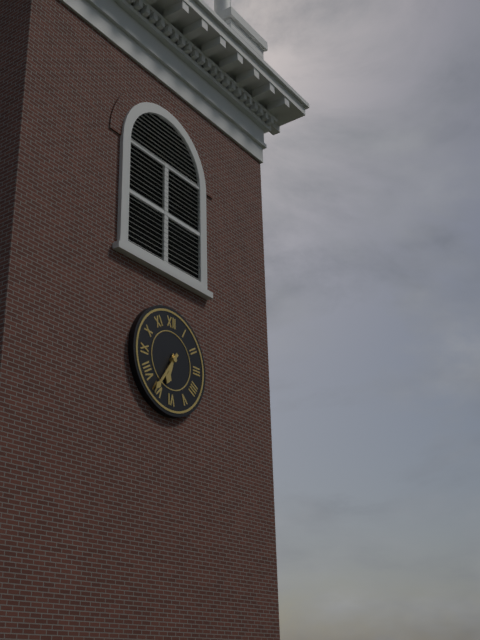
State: 6:36
